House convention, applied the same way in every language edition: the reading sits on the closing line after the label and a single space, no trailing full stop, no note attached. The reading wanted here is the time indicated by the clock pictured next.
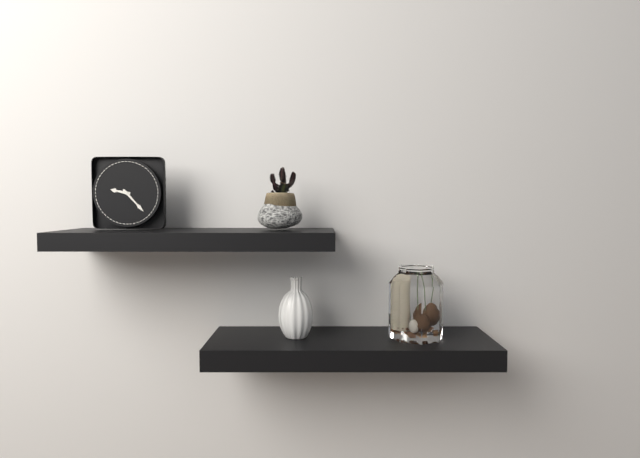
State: 9:23
